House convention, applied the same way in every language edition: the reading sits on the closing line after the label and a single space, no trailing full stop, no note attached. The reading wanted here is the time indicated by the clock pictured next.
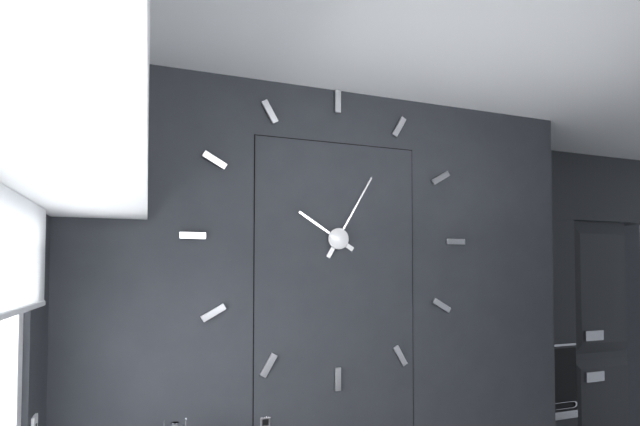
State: 10:05
